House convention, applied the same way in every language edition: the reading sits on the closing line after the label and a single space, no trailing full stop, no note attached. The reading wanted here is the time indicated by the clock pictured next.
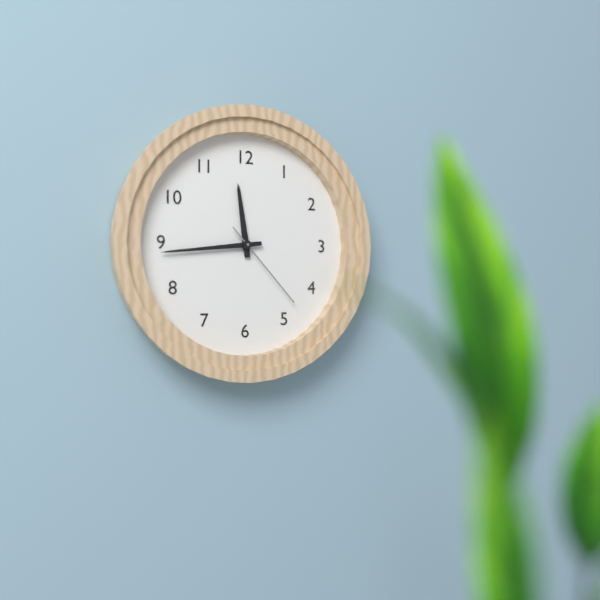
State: 11:44:23
